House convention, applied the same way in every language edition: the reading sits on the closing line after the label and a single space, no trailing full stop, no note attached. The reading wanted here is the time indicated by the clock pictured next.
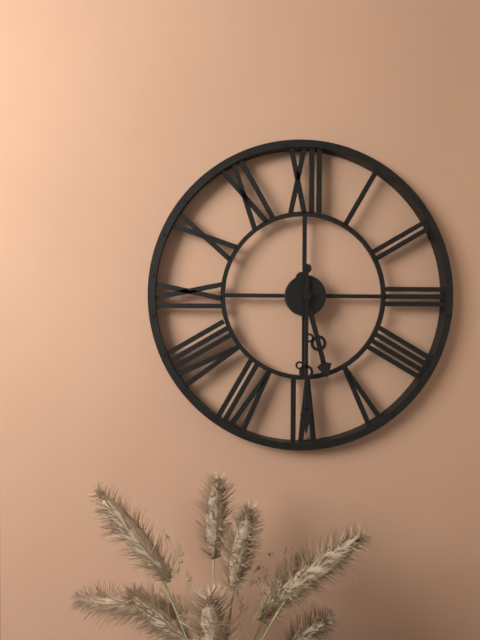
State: 5:30
